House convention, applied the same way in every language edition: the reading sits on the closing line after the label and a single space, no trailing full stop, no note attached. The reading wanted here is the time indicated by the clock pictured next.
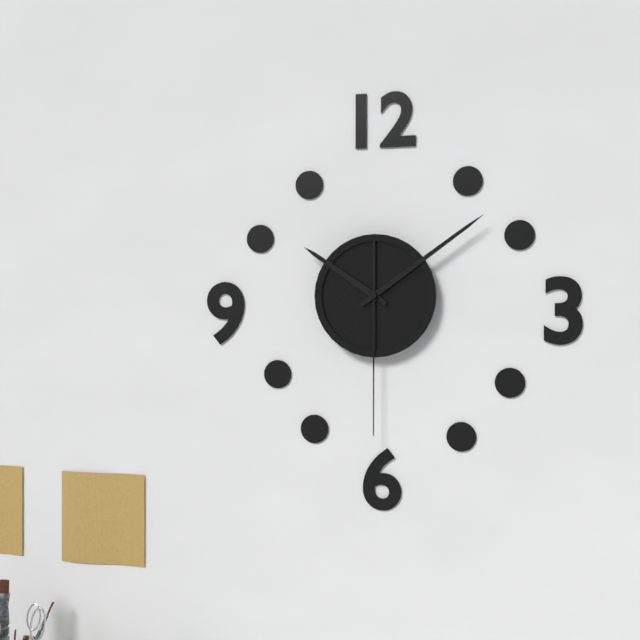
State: 10:09:30
